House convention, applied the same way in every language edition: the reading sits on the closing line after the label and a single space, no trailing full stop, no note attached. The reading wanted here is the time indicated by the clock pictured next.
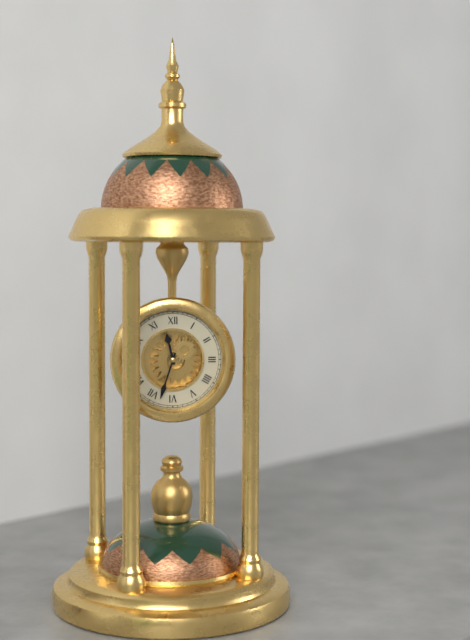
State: 11:33
